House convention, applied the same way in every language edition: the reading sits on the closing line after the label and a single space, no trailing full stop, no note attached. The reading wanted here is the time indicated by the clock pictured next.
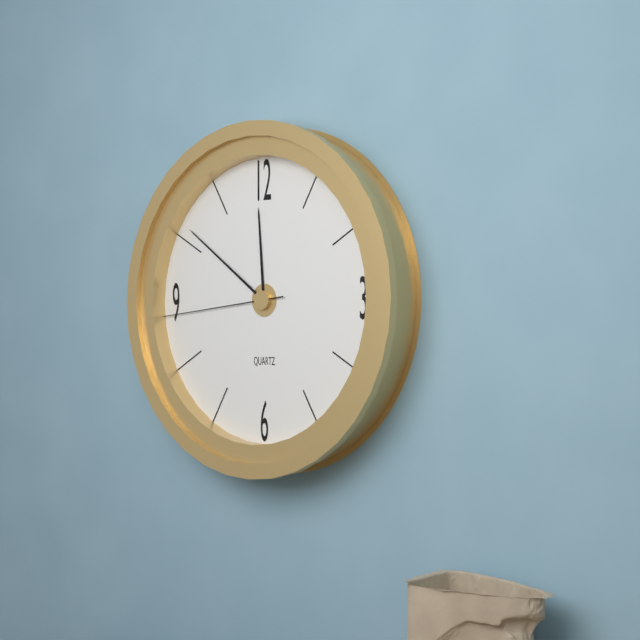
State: 11:51:44
